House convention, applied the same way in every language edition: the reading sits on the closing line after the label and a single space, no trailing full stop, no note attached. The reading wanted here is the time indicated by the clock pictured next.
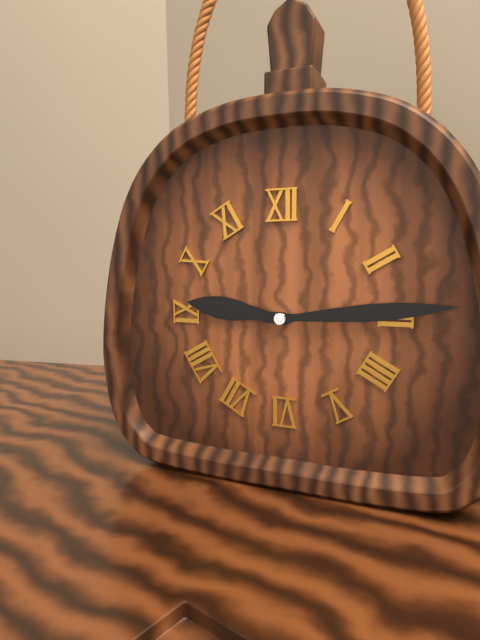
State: 9:14
